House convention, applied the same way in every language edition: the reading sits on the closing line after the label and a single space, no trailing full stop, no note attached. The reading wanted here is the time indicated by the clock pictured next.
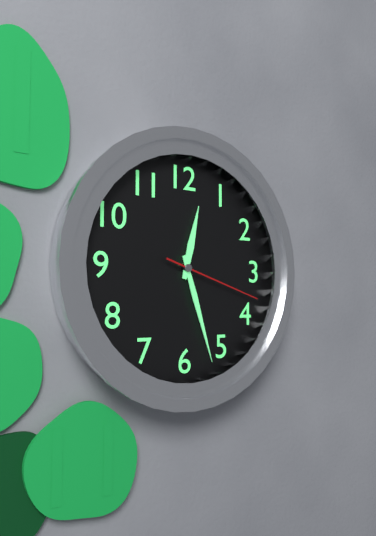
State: 12:27:18
